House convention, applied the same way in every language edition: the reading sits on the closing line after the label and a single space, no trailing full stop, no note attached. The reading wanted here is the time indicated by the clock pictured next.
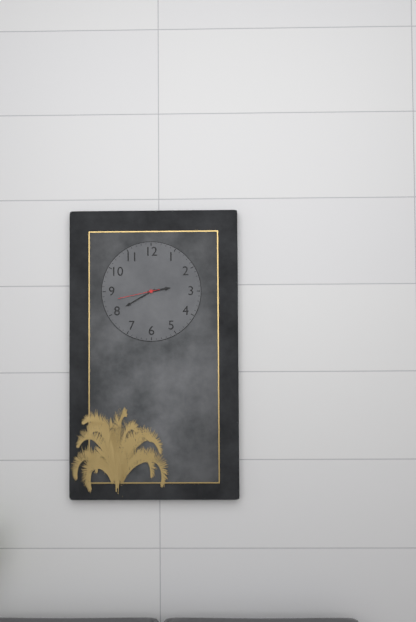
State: 2:40
